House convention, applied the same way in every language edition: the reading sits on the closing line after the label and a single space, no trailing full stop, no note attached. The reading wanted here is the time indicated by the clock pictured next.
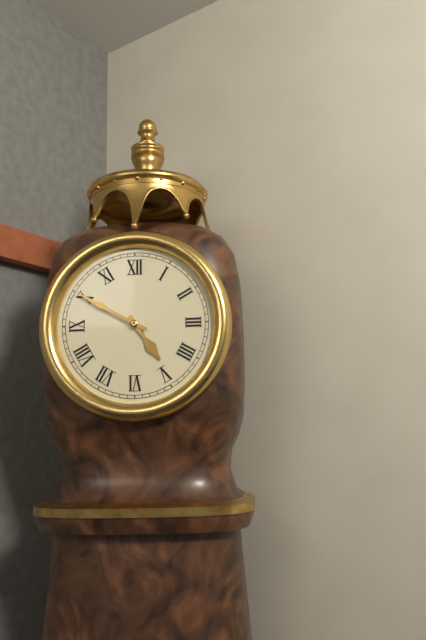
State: 4:50
